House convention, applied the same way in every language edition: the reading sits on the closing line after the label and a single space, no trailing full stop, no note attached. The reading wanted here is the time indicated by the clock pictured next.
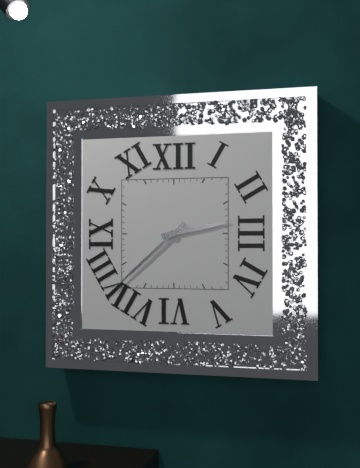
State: 2:38
